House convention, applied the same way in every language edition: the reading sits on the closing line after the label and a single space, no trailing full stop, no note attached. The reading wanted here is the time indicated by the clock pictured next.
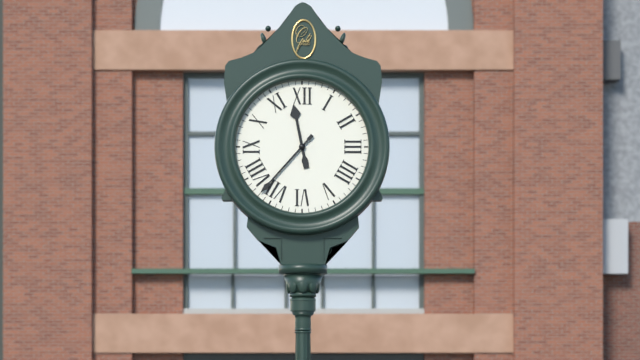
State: 11:37
